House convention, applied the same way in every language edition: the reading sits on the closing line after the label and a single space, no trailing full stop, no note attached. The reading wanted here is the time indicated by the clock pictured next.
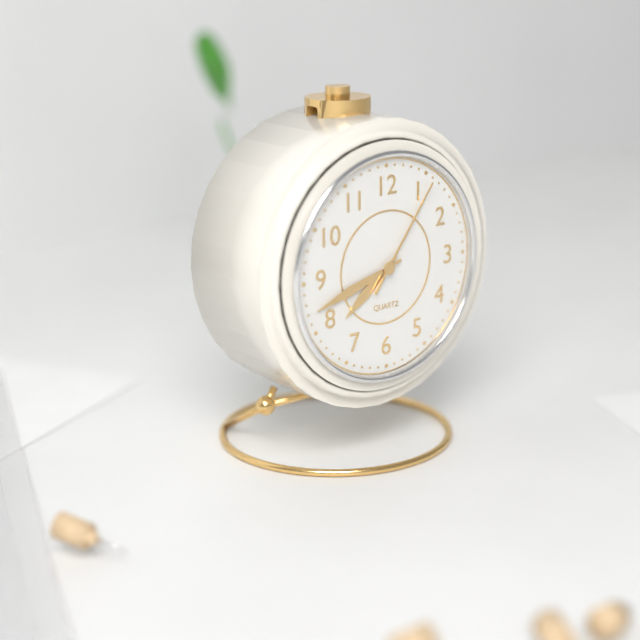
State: 7:42:06
